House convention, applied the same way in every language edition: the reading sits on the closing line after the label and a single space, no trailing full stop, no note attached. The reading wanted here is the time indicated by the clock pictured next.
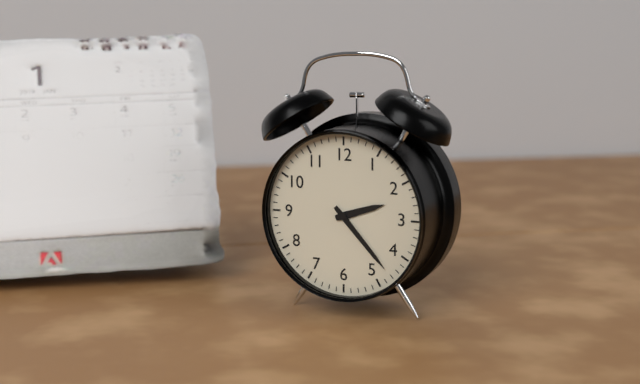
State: 2:23
